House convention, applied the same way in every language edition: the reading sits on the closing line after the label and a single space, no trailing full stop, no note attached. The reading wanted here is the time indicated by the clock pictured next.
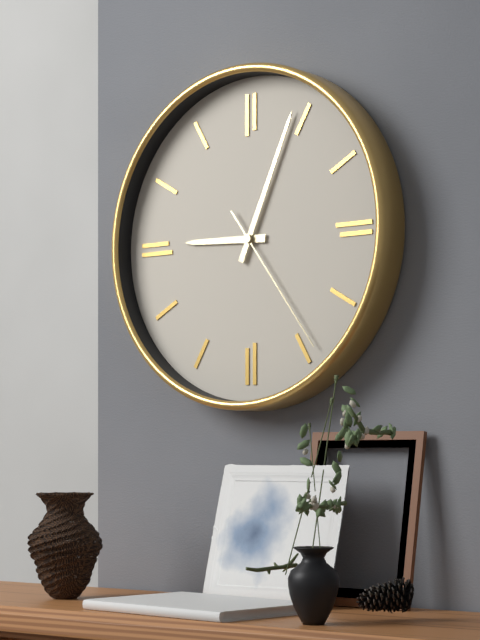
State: 9:04:24
